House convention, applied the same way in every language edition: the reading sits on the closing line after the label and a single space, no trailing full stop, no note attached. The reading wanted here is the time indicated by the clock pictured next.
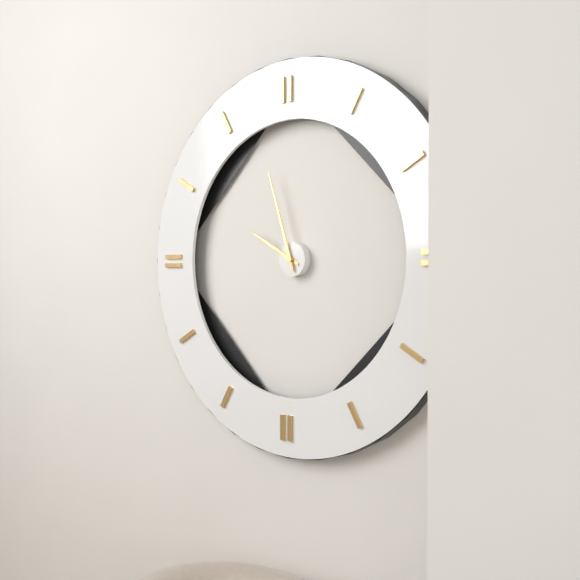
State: 9:57
